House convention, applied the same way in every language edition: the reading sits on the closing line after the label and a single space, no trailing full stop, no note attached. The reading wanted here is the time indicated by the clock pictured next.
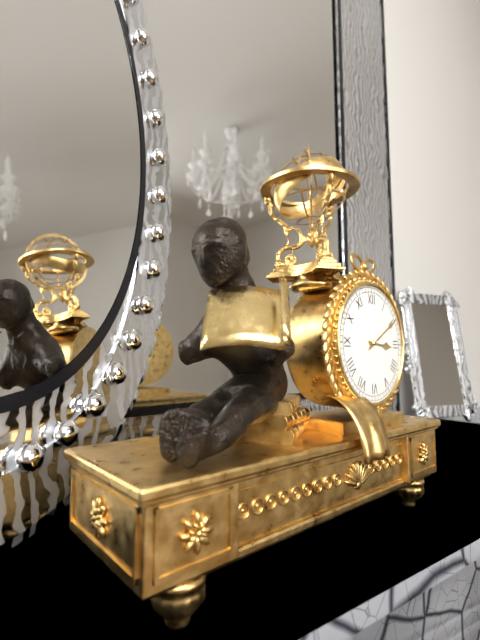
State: 3:10
